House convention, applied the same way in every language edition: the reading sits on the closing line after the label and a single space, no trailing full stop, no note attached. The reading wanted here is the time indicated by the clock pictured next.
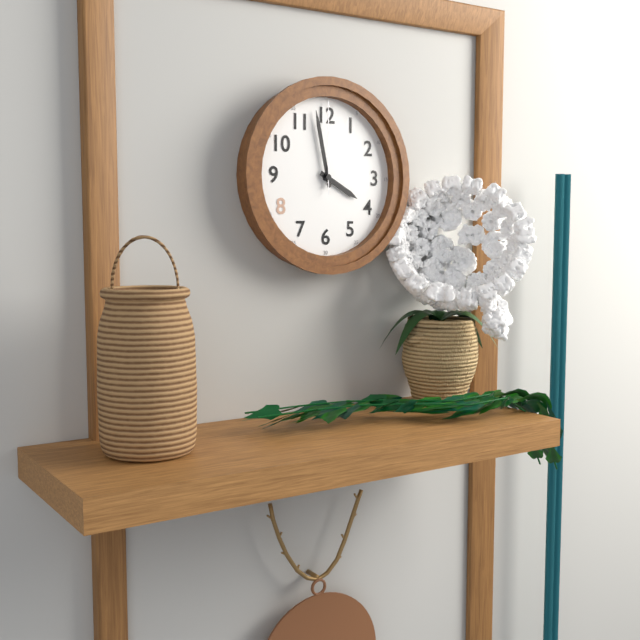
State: 3:58:00
